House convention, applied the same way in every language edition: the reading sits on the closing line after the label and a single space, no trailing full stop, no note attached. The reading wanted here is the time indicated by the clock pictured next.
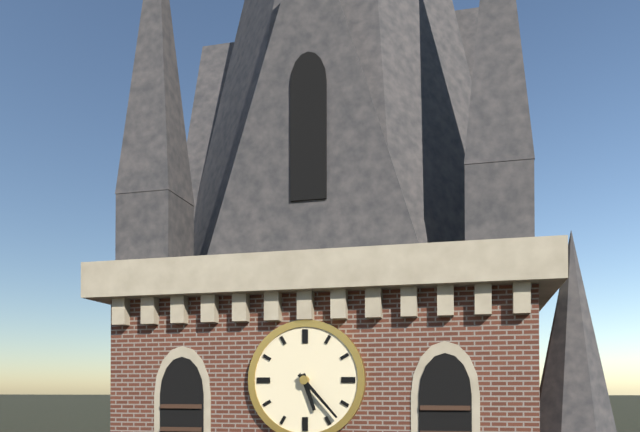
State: 5:23
